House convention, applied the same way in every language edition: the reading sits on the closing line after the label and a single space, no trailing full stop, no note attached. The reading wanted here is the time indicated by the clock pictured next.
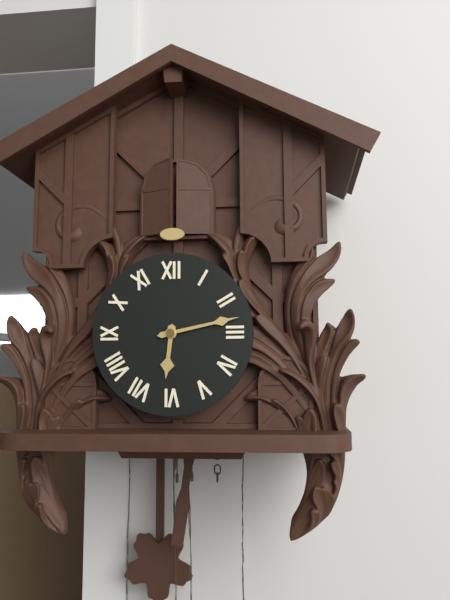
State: 6:13
